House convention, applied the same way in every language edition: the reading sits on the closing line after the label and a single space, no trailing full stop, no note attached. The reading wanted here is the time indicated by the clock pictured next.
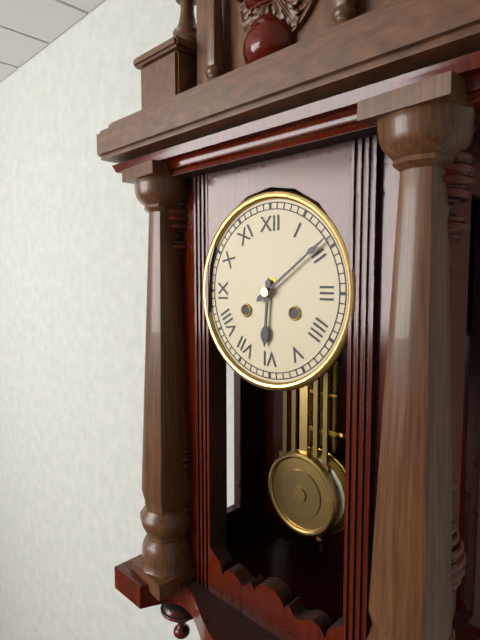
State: 6:09
